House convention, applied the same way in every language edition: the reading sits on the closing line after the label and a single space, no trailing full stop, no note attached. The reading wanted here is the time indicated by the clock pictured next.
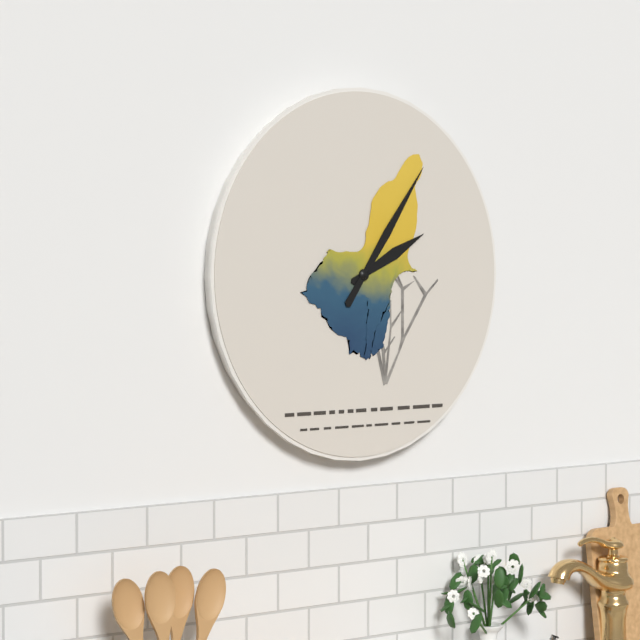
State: 2:06
